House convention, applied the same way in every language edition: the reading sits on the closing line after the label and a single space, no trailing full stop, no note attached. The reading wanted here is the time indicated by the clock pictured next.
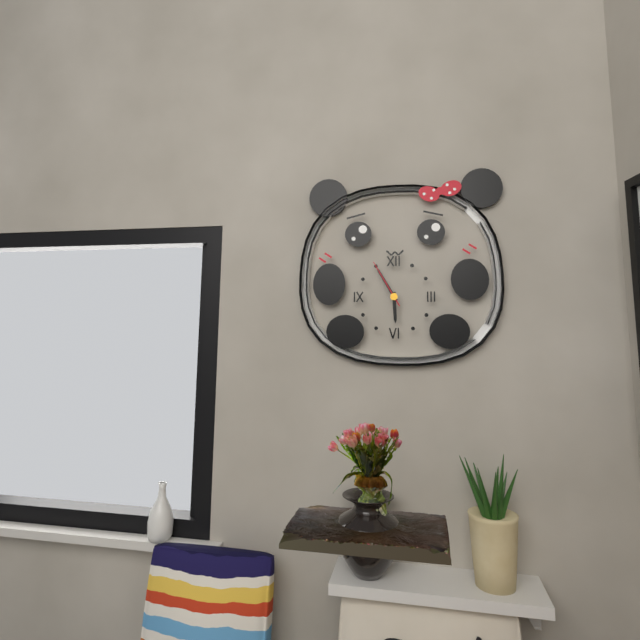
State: 5:55:55
